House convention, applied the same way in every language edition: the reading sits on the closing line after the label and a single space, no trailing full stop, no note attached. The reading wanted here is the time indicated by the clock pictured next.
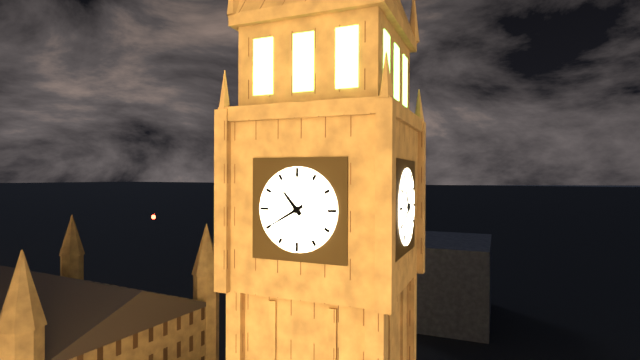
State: 10:40
